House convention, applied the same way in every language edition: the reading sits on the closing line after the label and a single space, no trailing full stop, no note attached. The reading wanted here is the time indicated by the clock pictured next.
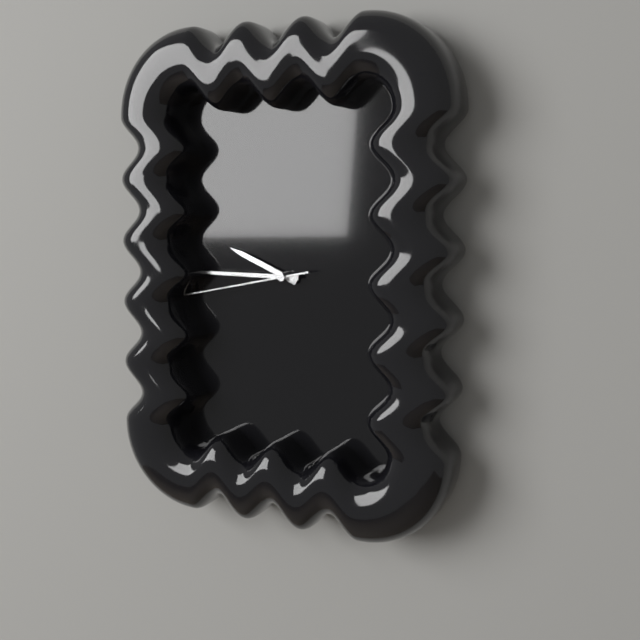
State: 9:45:43
